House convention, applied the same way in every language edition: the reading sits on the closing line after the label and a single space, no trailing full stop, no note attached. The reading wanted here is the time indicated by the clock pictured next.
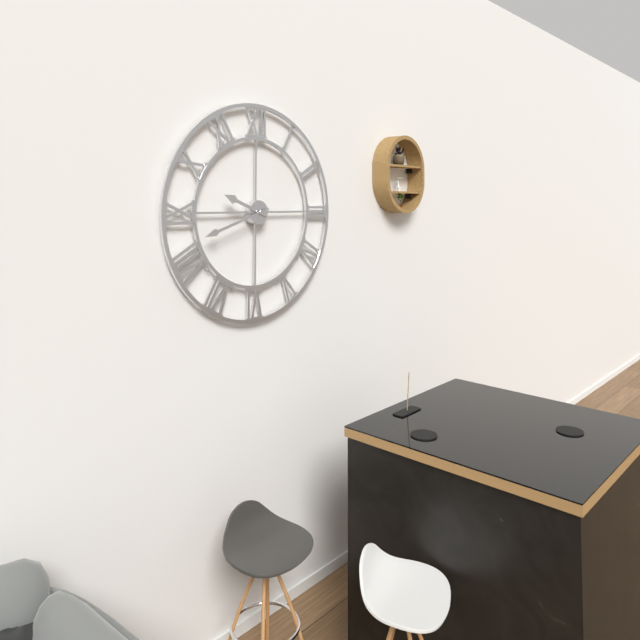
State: 9:42
